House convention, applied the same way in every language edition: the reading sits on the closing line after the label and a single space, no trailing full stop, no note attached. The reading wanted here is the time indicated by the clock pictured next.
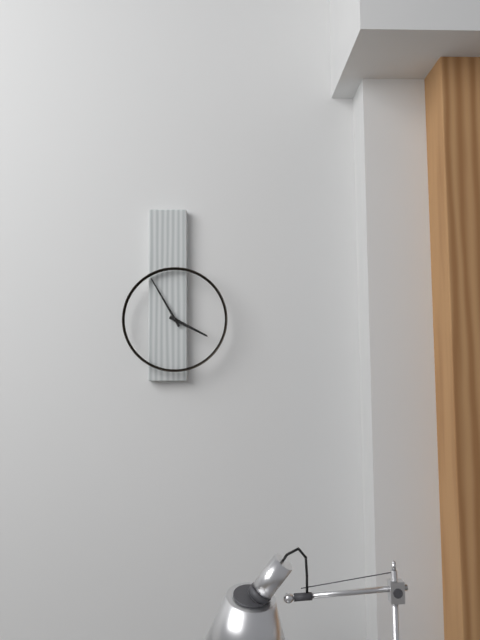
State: 3:55
